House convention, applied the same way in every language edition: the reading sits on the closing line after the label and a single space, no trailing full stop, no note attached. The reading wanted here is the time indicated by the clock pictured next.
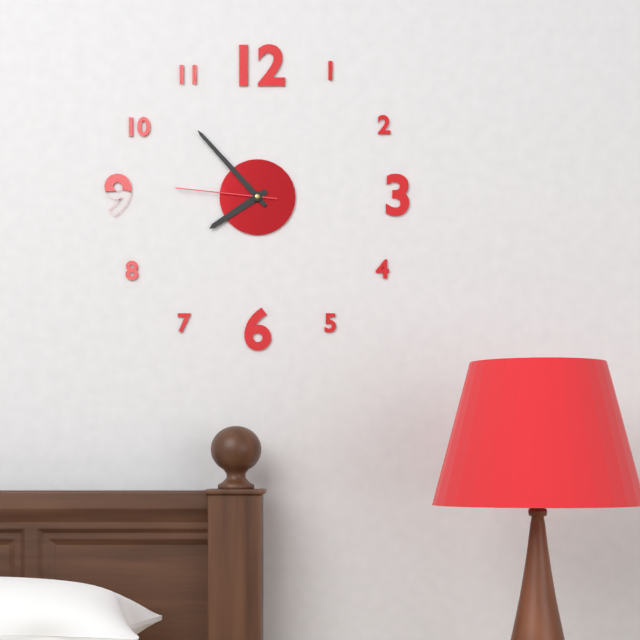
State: 7:53:46
